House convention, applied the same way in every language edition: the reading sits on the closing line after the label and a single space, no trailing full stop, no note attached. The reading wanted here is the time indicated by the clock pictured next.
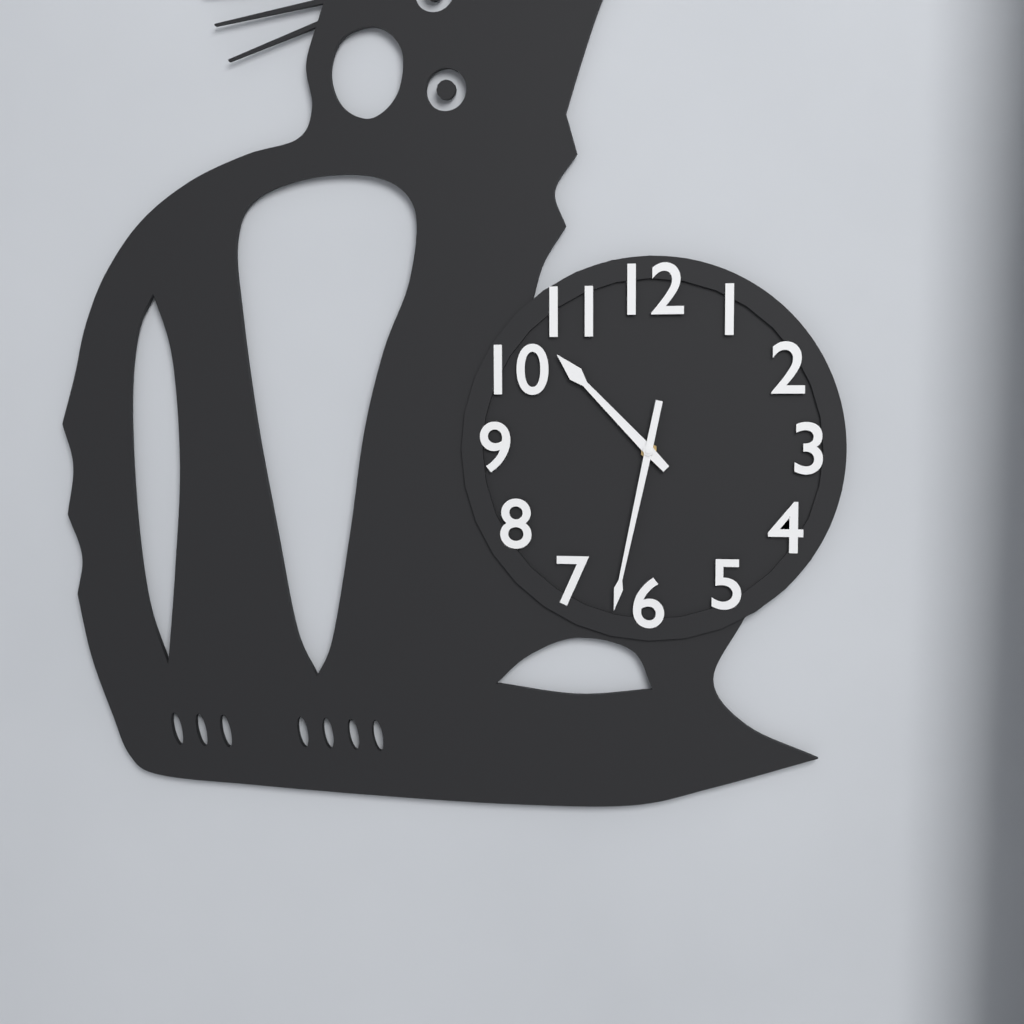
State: 10:32
